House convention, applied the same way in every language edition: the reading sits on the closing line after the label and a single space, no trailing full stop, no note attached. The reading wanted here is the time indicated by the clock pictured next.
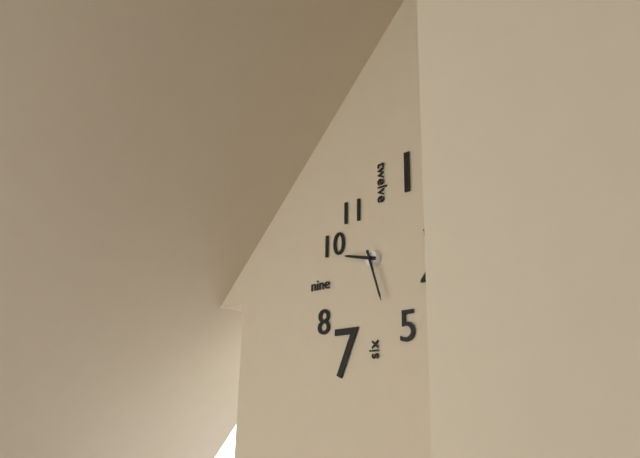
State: 9:27
